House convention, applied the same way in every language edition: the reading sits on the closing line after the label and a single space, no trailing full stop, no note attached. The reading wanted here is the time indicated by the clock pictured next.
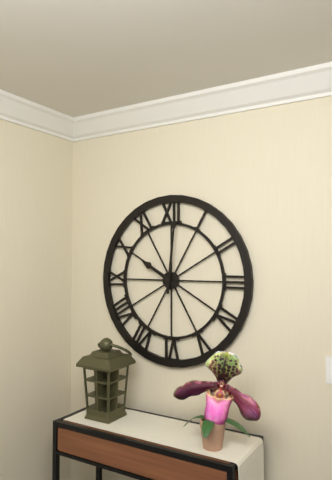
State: 10:01
